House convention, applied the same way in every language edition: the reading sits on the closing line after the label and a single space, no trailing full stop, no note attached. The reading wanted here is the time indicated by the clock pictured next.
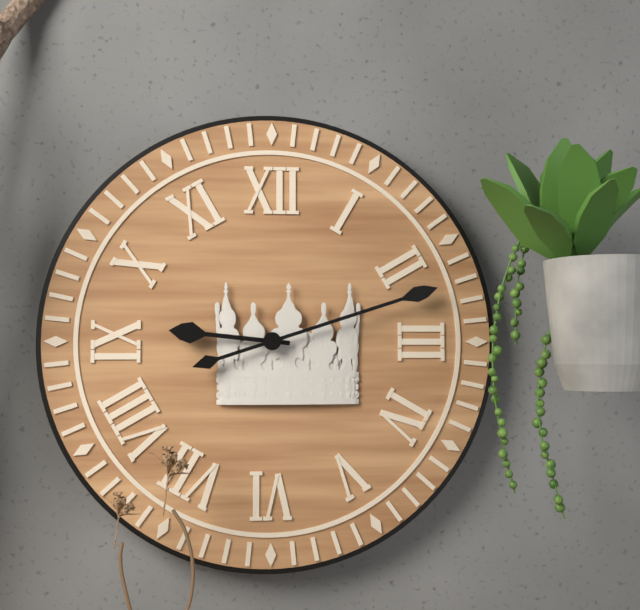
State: 9:12
